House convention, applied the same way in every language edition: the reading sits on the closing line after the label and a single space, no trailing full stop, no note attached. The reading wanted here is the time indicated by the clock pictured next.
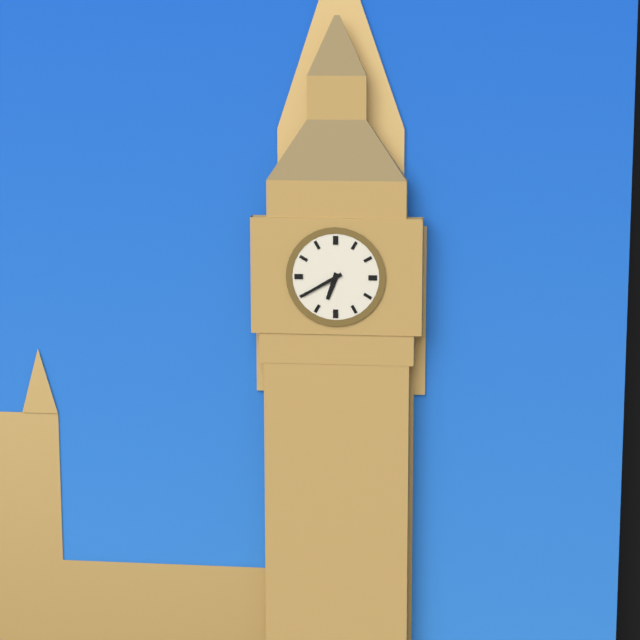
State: 6:40
